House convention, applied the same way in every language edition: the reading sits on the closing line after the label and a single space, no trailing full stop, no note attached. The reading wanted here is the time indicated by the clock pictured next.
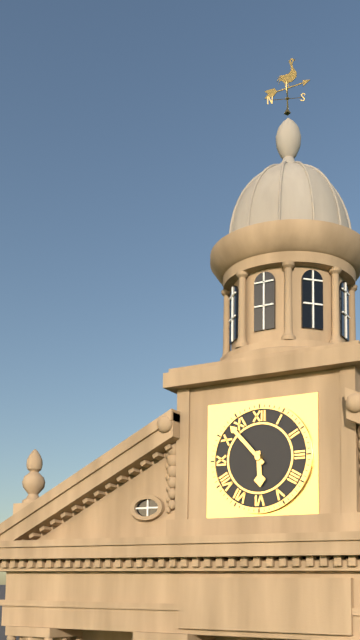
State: 5:53
